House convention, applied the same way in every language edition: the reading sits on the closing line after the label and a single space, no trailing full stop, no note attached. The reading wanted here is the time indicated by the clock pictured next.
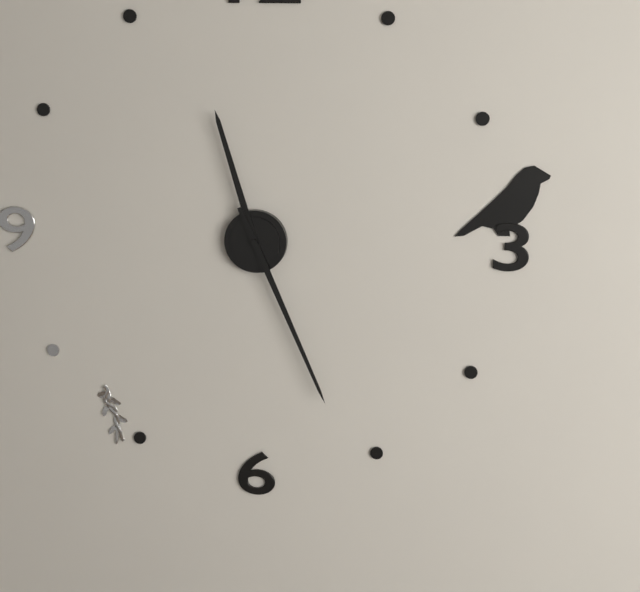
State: 11:26
